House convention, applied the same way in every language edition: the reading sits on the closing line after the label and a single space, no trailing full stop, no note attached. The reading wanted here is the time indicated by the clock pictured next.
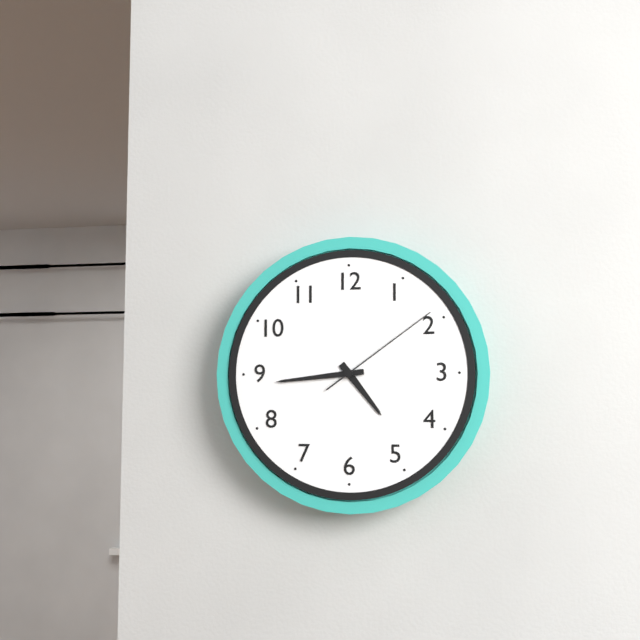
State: 4:44:09
